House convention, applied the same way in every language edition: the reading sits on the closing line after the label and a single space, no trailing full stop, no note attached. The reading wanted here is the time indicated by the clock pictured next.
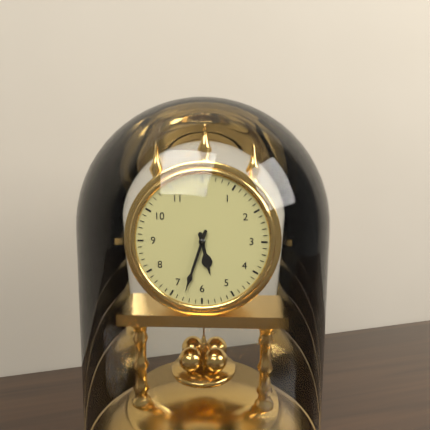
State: 5:33
